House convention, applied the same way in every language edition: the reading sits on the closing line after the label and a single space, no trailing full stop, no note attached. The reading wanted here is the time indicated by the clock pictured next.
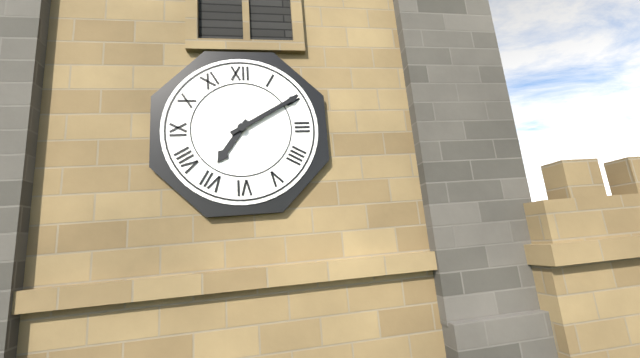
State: 7:10
